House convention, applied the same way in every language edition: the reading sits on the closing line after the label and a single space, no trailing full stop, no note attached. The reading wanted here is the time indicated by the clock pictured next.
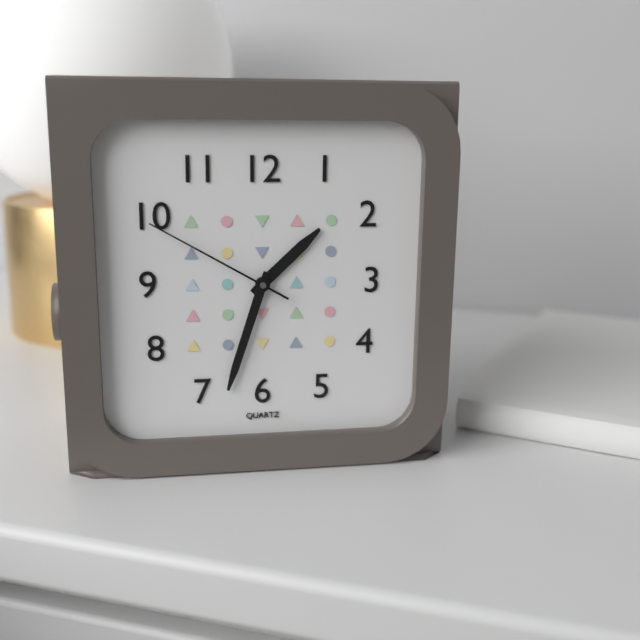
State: 1:33:50
